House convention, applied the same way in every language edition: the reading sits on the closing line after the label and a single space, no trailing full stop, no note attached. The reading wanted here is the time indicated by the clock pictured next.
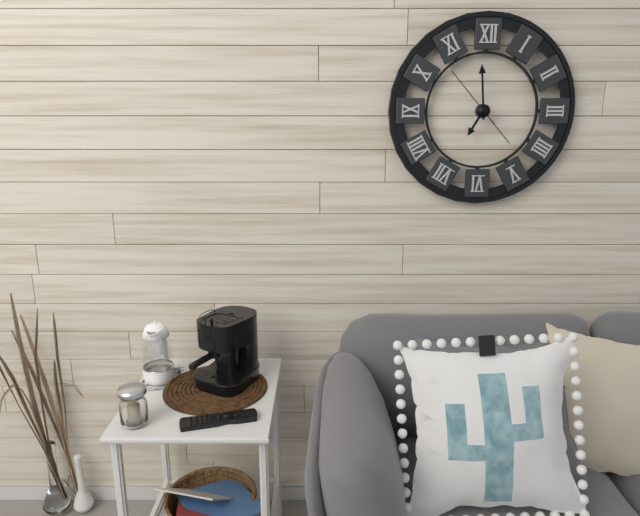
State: 6:59:53
